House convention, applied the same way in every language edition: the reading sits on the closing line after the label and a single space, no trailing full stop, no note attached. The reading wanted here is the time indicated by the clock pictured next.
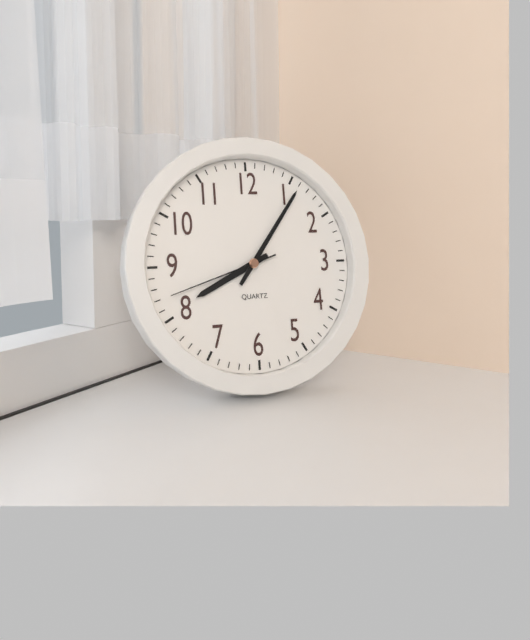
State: 8:06:42
